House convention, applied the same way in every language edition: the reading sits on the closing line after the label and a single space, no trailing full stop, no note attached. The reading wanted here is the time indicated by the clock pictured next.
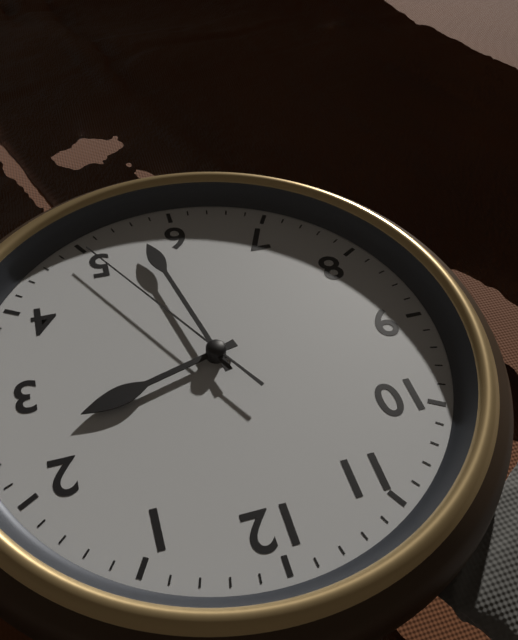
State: 2:28:25
